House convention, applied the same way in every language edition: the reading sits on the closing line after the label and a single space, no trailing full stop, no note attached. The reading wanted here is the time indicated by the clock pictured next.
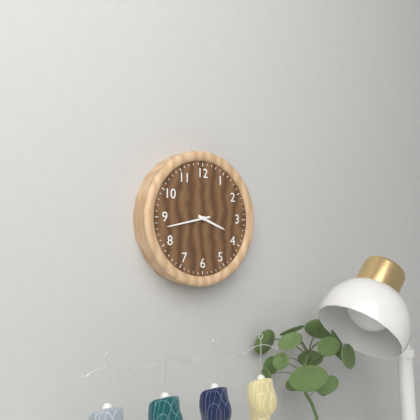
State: 3:43
